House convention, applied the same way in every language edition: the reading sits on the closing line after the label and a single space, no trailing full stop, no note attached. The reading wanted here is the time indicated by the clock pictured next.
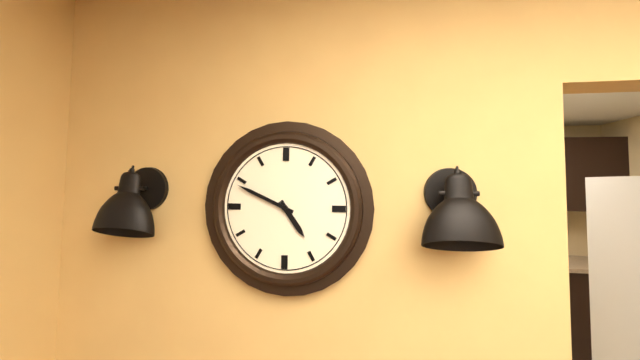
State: 4:49
